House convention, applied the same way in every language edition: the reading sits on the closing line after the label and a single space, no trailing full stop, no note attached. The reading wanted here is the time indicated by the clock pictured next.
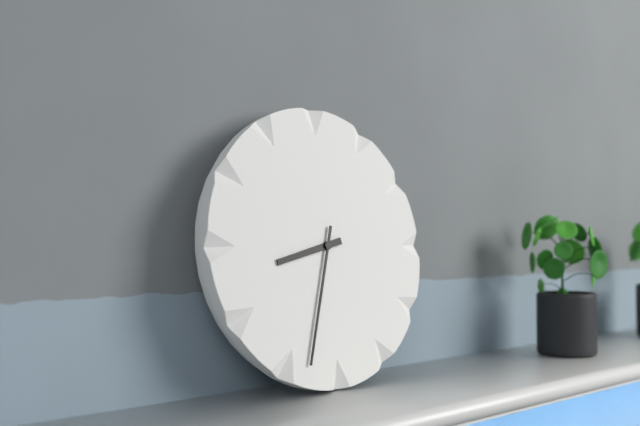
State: 8:33
